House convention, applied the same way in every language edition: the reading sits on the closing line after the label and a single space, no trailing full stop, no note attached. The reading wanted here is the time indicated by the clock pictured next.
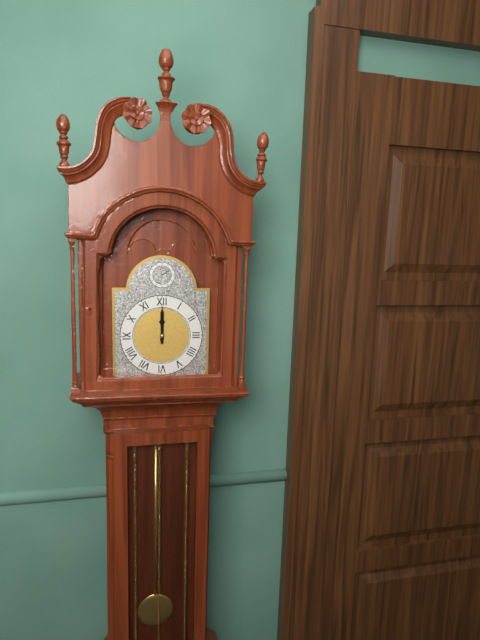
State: 12:00
